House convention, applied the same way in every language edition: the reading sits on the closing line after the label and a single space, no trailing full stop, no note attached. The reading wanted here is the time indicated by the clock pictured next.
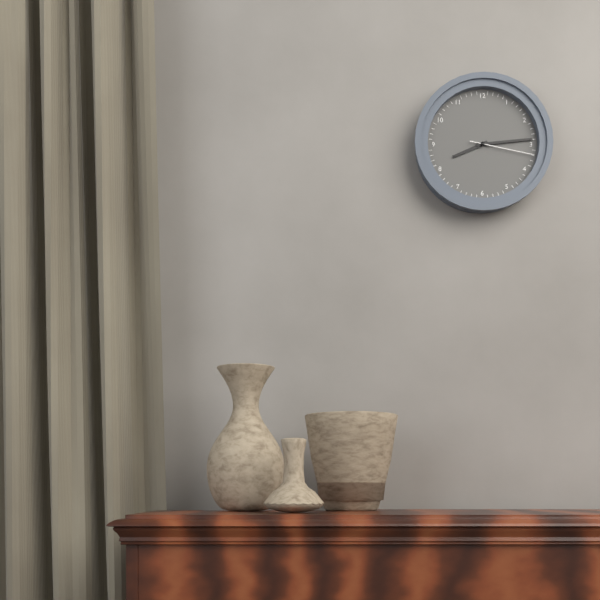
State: 8:14:17
